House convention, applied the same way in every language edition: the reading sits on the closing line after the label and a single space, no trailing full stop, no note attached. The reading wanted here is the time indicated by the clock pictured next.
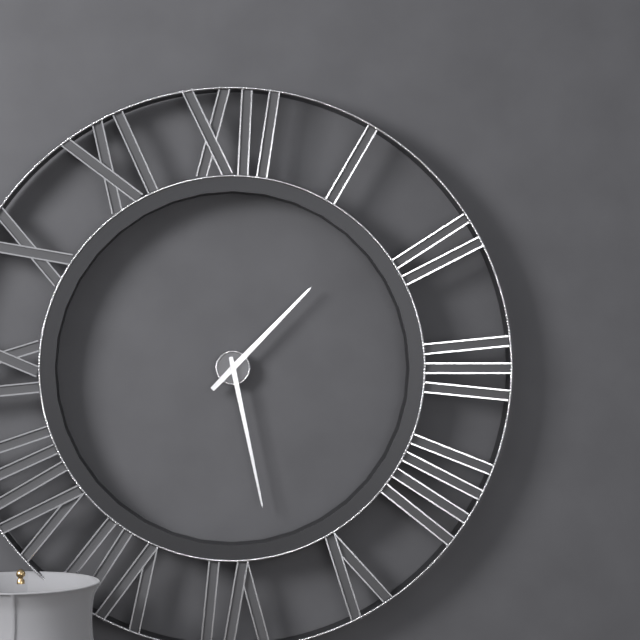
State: 1:28
